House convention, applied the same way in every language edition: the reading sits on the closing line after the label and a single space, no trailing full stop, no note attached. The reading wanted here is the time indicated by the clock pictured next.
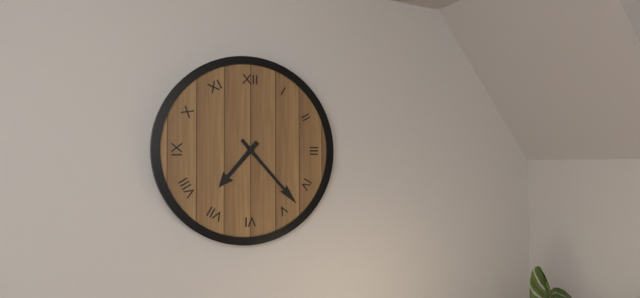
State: 7:23
